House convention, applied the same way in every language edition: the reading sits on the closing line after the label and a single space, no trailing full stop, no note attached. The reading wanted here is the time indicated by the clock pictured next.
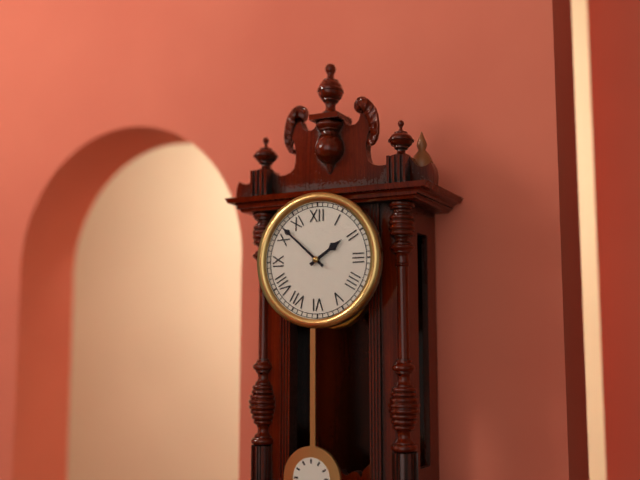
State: 1:52
